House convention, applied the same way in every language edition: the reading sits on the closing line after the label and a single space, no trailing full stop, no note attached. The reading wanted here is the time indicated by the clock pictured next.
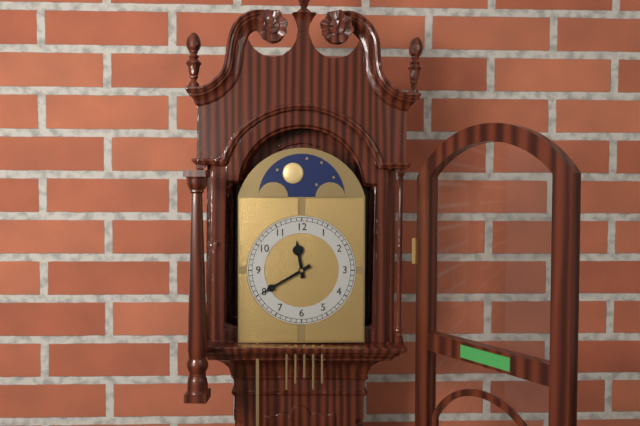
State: 11:40
